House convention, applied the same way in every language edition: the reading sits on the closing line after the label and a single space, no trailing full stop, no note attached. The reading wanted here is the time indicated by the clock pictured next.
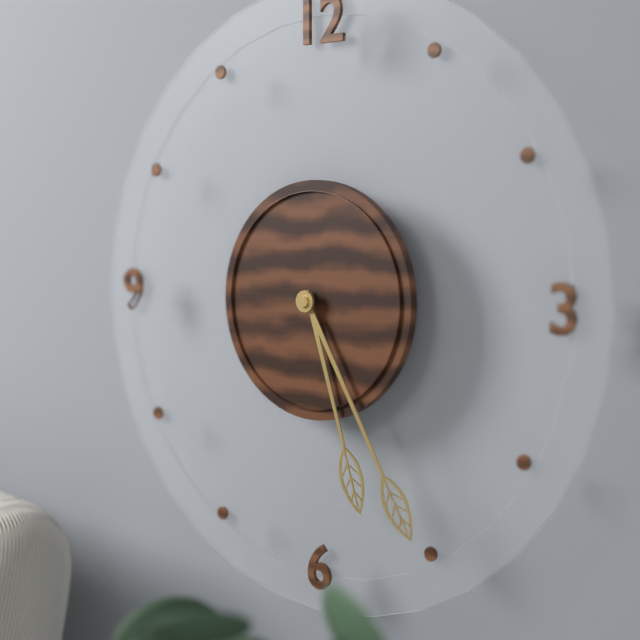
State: 5:25
